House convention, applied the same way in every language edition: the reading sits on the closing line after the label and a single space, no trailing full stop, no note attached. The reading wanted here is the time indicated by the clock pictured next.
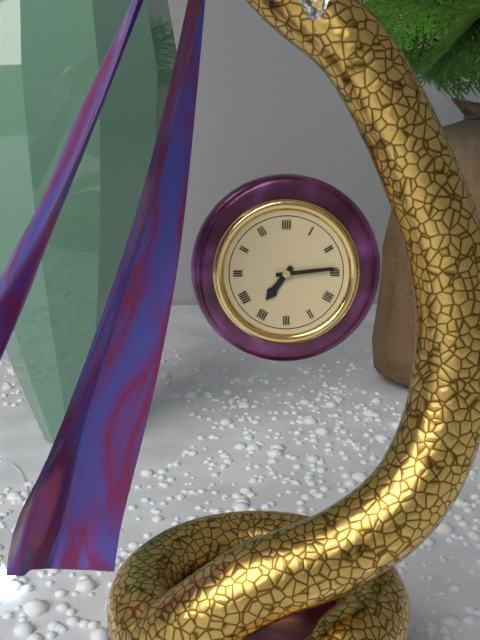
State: 7:14
